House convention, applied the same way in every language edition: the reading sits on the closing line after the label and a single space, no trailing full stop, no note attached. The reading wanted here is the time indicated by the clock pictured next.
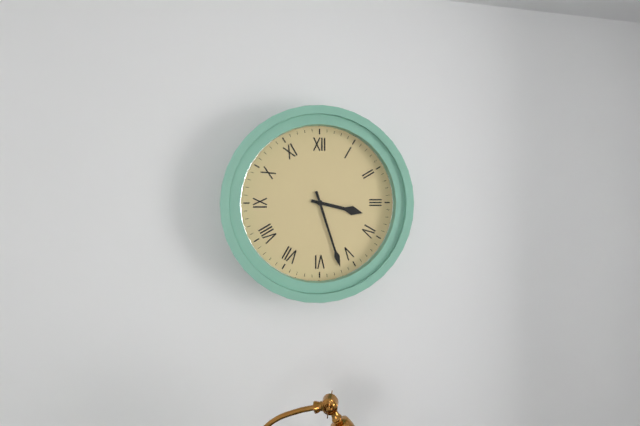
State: 3:27
